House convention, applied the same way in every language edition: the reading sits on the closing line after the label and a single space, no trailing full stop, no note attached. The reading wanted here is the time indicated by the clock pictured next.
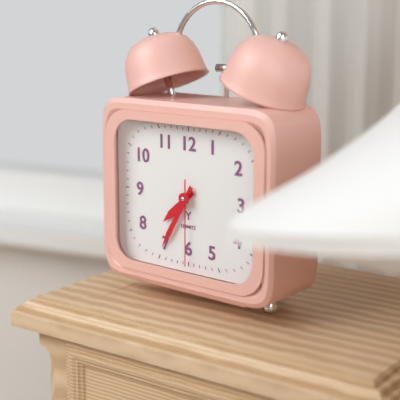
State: 7:35:30
